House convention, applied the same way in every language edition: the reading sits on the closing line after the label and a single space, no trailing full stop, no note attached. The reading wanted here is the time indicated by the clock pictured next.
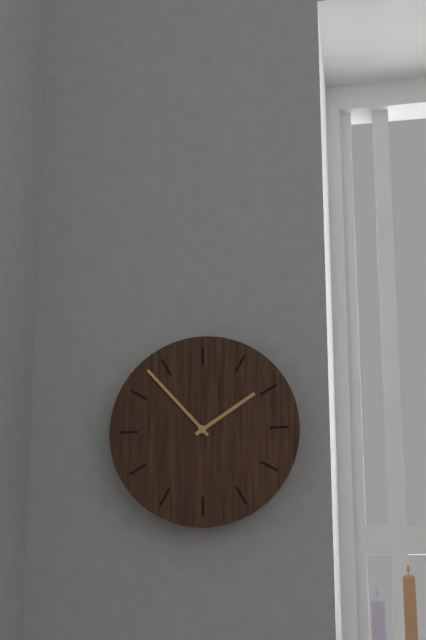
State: 1:53
